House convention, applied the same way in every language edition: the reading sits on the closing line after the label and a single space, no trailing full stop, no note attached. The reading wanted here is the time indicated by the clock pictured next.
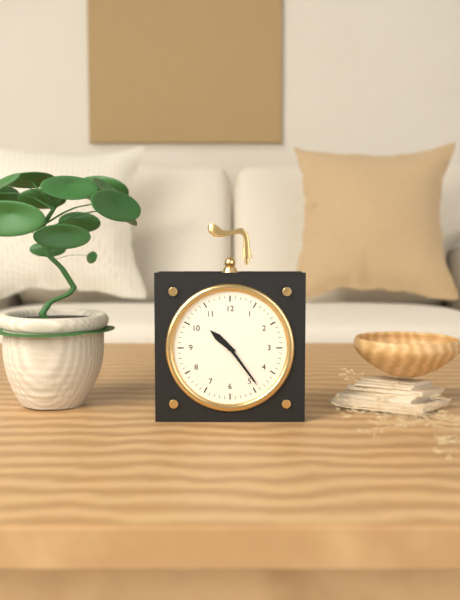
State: 10:24
